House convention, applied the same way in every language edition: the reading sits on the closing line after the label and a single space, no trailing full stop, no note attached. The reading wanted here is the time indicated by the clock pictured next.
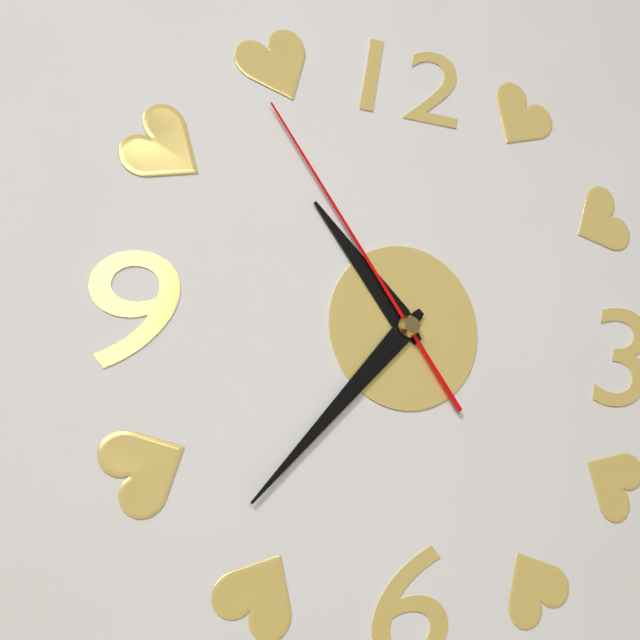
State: 10:37:54
